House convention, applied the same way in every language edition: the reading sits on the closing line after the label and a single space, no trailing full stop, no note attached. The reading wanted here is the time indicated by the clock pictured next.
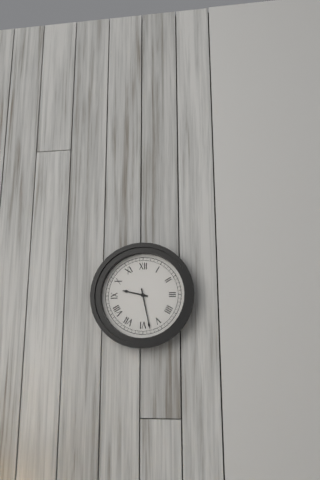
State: 9:28
